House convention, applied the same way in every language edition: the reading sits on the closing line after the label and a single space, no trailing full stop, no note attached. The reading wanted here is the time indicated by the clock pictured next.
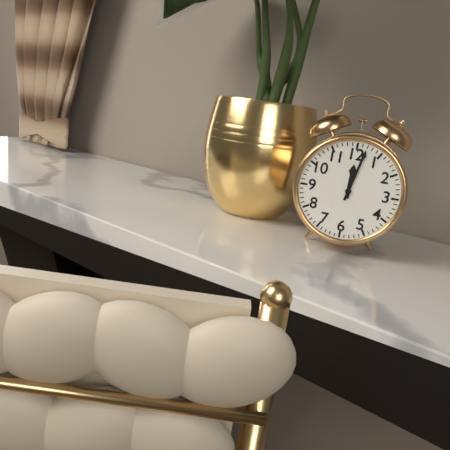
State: 12:02
